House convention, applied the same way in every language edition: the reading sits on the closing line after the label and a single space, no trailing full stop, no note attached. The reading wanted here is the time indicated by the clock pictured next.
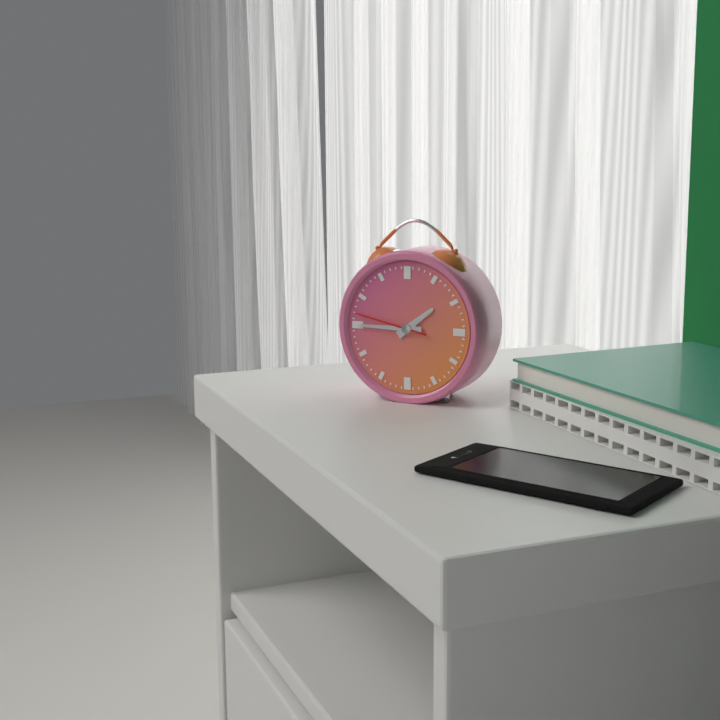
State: 1:45:47
